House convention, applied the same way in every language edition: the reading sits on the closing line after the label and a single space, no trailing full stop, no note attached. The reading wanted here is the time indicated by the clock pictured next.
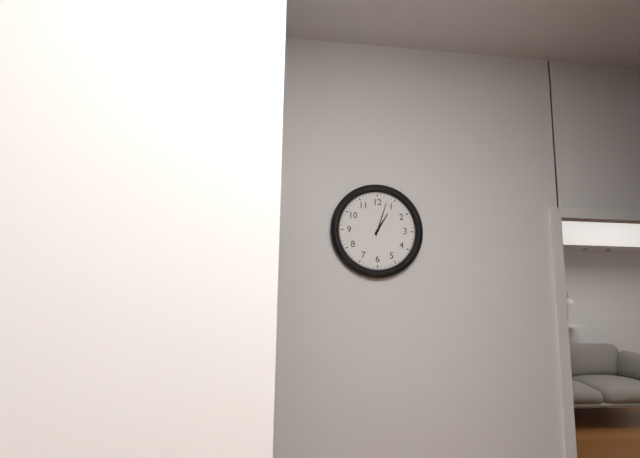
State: 1:03
